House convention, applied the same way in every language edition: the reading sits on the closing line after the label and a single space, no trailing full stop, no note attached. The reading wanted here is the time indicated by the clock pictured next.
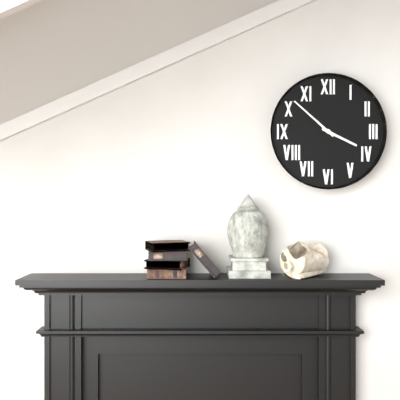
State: 3:52
